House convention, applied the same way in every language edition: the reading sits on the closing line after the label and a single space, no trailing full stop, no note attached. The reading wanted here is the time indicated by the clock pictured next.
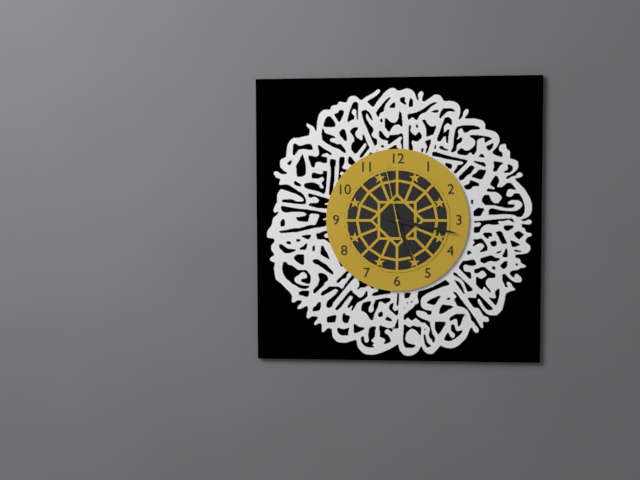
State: 5:17:58
